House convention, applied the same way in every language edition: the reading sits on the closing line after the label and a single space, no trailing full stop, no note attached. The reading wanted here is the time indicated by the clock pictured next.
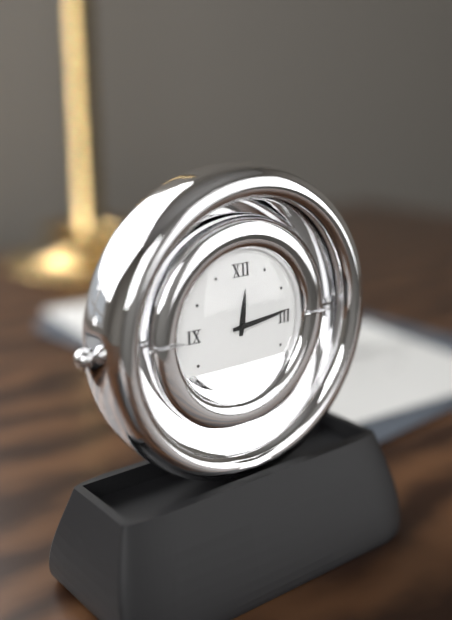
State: 12:14
